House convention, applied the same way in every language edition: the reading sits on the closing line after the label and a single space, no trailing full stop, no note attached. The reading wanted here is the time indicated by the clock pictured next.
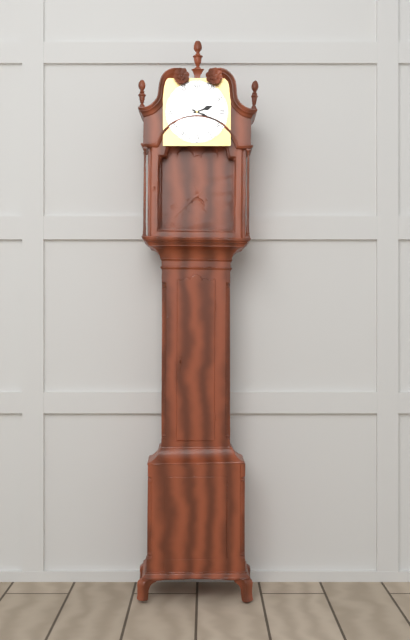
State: 2:19
